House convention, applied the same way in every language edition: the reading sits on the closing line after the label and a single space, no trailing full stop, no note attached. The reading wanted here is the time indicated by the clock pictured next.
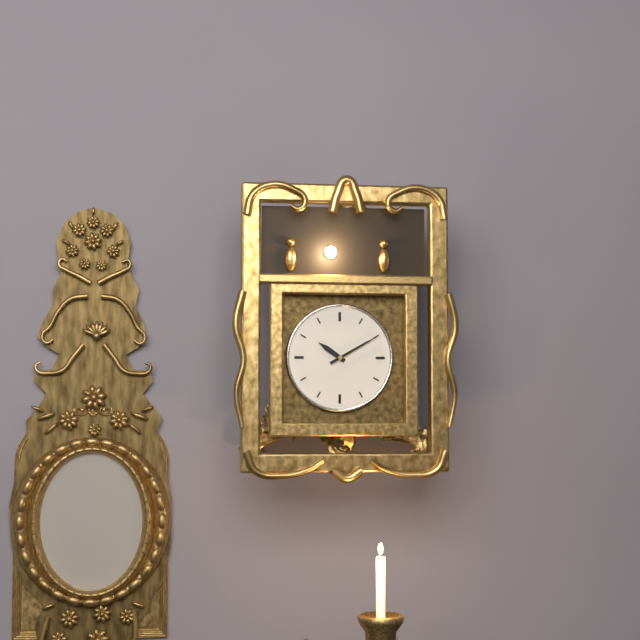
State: 10:10
